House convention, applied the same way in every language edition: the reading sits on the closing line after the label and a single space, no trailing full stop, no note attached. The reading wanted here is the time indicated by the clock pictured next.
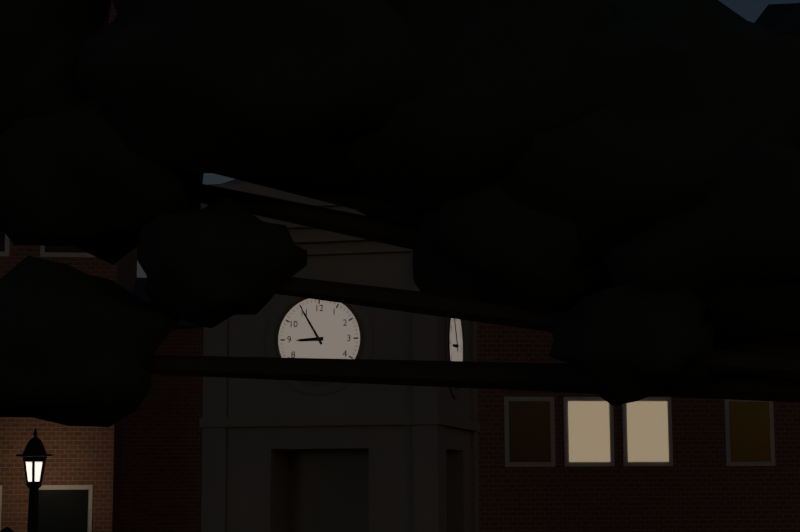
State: 8:55
